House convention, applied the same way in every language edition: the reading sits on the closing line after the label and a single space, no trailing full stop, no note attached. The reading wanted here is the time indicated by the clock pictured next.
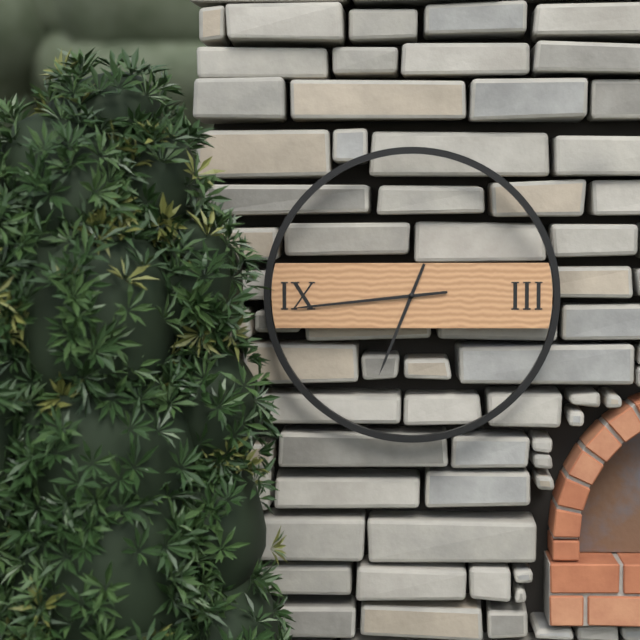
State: 6:44
